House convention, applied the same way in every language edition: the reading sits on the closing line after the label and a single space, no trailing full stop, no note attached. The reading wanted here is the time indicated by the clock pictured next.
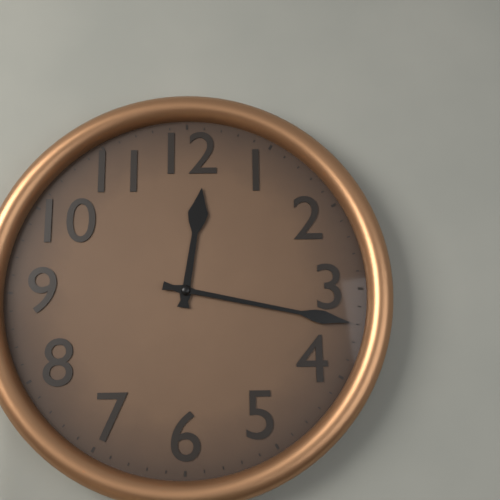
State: 12:17
